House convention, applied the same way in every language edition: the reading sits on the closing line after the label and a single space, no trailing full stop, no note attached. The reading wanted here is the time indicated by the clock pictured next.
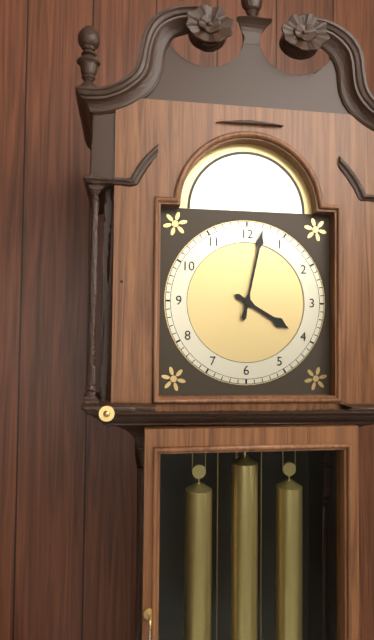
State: 4:02
